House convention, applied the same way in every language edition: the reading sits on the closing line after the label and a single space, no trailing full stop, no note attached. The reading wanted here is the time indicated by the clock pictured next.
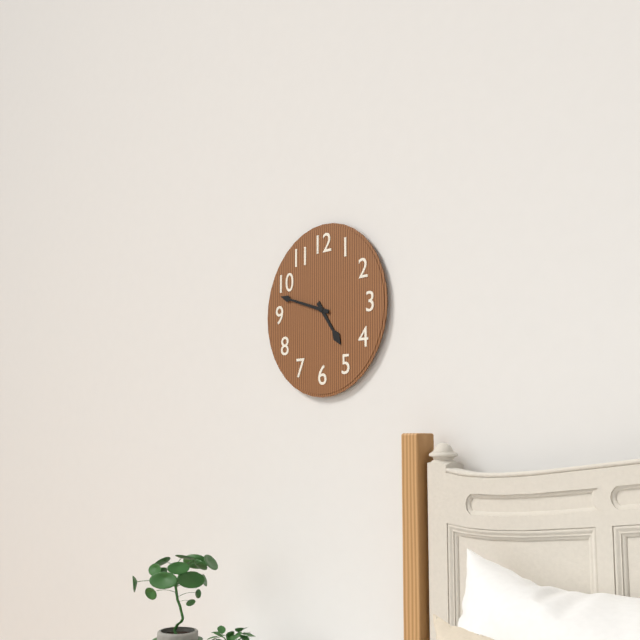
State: 4:48
